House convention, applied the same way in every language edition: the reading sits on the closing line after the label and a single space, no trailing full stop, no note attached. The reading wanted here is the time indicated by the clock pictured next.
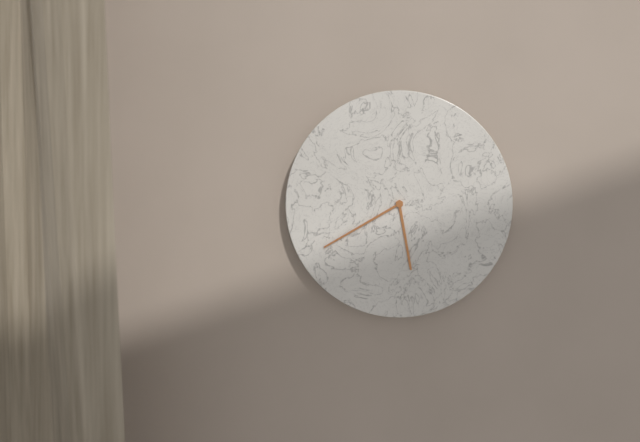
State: 5:40
